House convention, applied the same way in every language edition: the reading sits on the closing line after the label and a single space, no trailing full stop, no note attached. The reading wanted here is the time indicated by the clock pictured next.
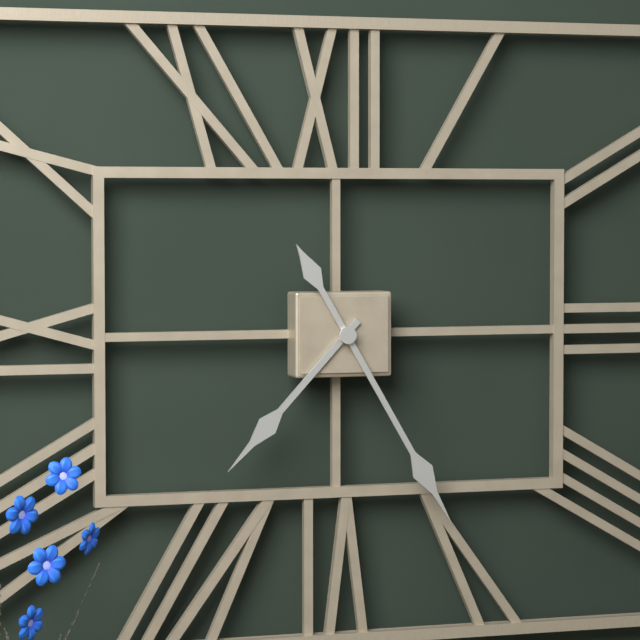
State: 7:25
